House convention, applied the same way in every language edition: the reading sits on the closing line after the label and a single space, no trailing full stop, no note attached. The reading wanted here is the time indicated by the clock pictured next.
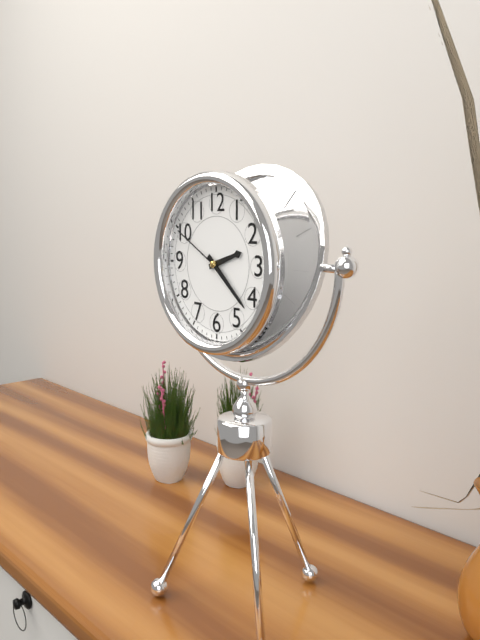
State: 2:22:50
